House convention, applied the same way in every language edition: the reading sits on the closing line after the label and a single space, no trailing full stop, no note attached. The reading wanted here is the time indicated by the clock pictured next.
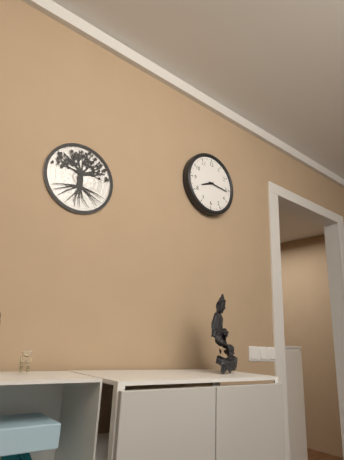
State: 8:16
